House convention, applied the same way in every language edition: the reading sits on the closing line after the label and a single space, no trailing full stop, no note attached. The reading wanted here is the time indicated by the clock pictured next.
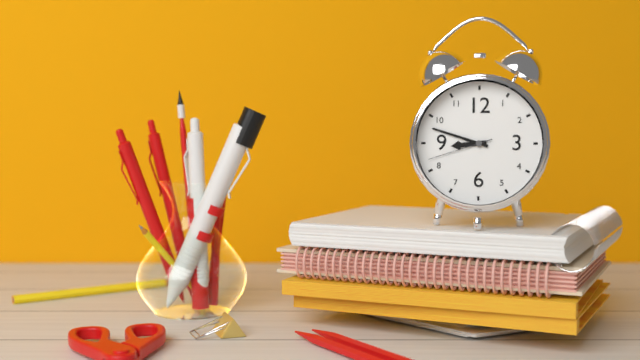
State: 8:48:42
